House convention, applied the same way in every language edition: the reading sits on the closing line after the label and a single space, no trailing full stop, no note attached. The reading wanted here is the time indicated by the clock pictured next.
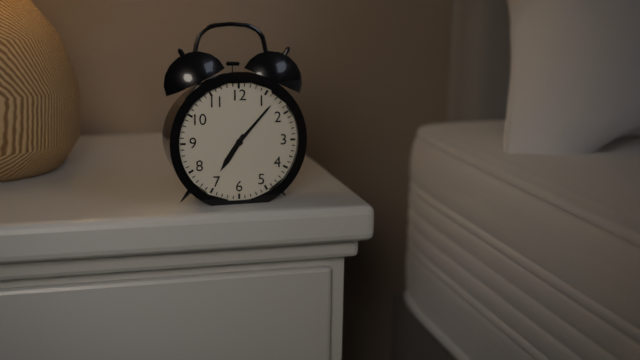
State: 7:07
